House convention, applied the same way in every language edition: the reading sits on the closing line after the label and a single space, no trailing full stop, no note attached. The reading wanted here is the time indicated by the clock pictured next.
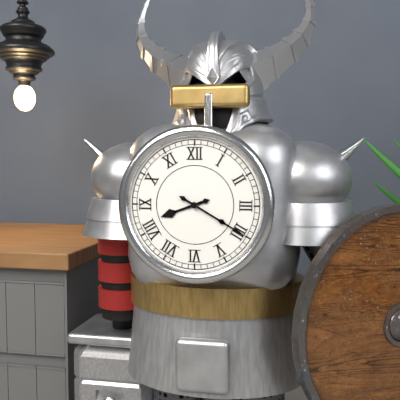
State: 8:20
